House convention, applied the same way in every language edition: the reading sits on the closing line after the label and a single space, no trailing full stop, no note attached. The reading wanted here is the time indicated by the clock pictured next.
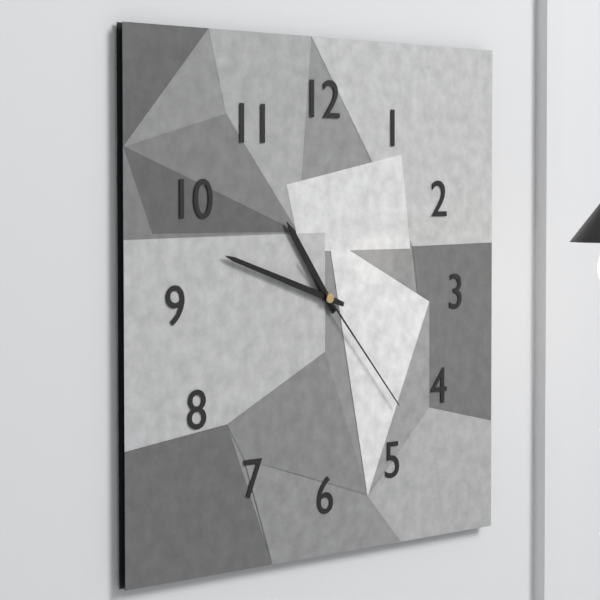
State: 10:48:23
